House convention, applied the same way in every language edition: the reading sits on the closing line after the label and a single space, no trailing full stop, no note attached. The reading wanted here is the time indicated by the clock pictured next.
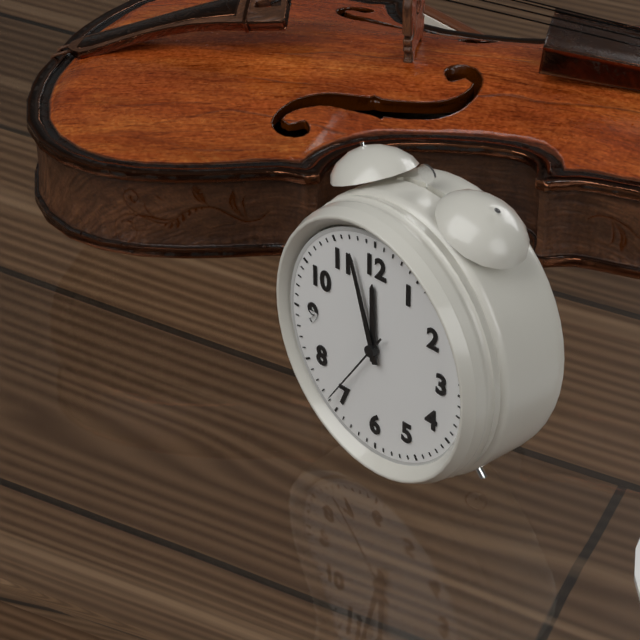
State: 11:57:36
